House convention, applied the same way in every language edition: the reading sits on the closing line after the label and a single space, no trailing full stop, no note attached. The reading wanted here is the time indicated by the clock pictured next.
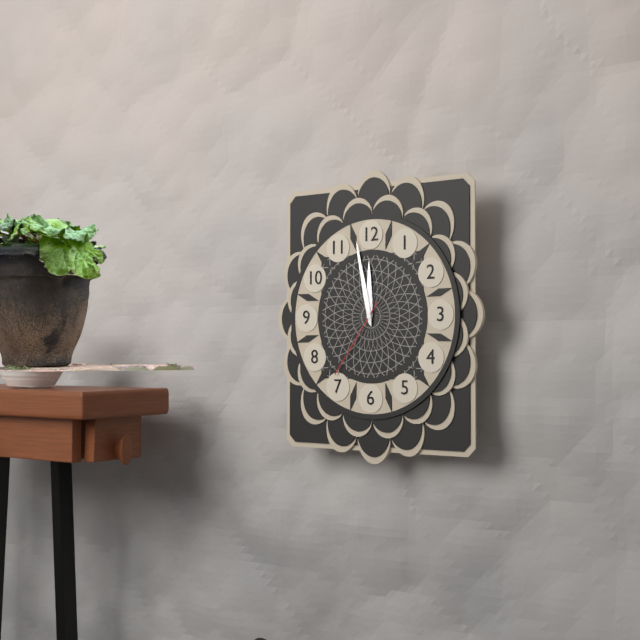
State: 11:58:36
